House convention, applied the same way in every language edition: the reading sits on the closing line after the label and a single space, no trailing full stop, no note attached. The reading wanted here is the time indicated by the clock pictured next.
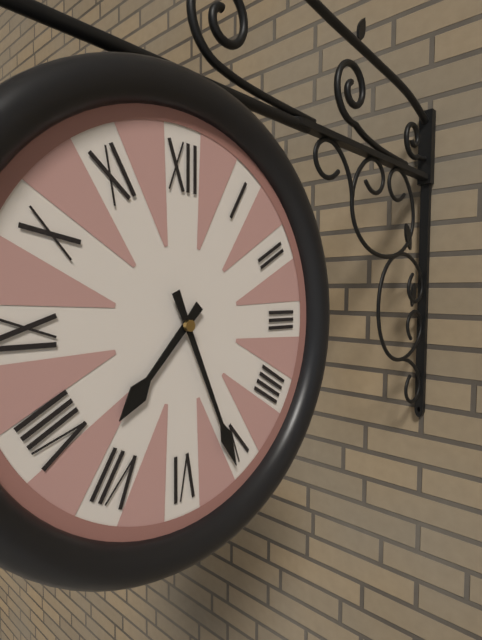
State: 7:26
